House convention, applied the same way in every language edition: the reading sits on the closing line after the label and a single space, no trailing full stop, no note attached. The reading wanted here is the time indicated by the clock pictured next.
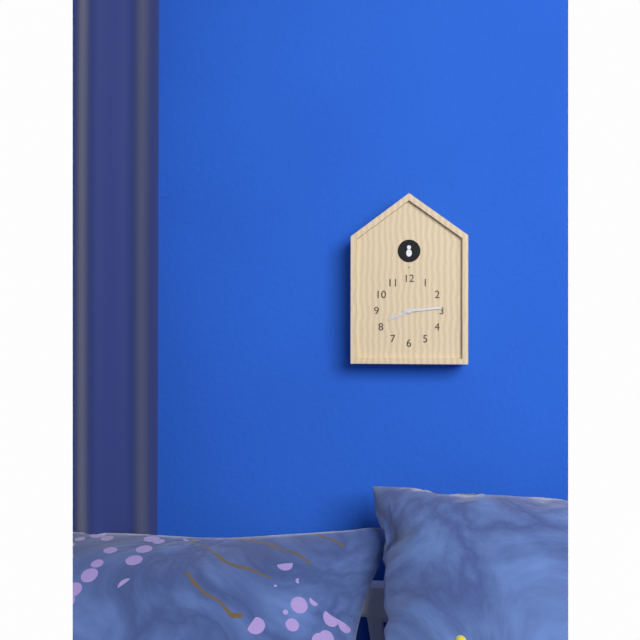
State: 8:14
